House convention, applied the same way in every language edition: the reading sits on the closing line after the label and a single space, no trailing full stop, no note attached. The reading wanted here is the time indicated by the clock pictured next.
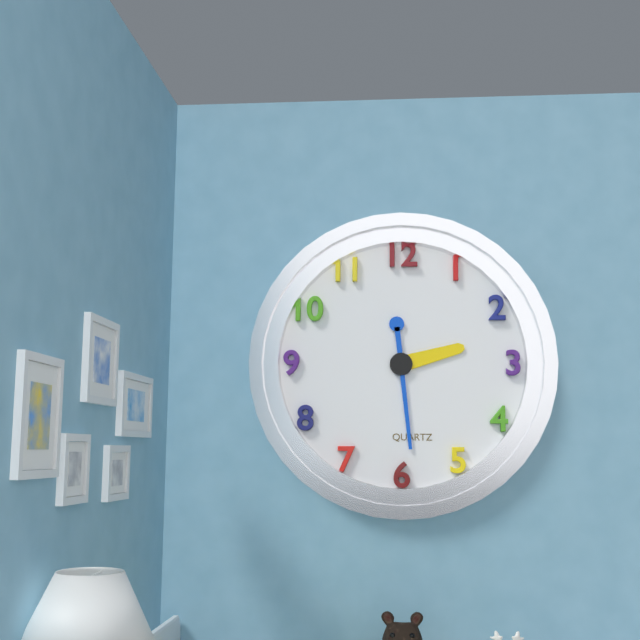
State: 2:29
